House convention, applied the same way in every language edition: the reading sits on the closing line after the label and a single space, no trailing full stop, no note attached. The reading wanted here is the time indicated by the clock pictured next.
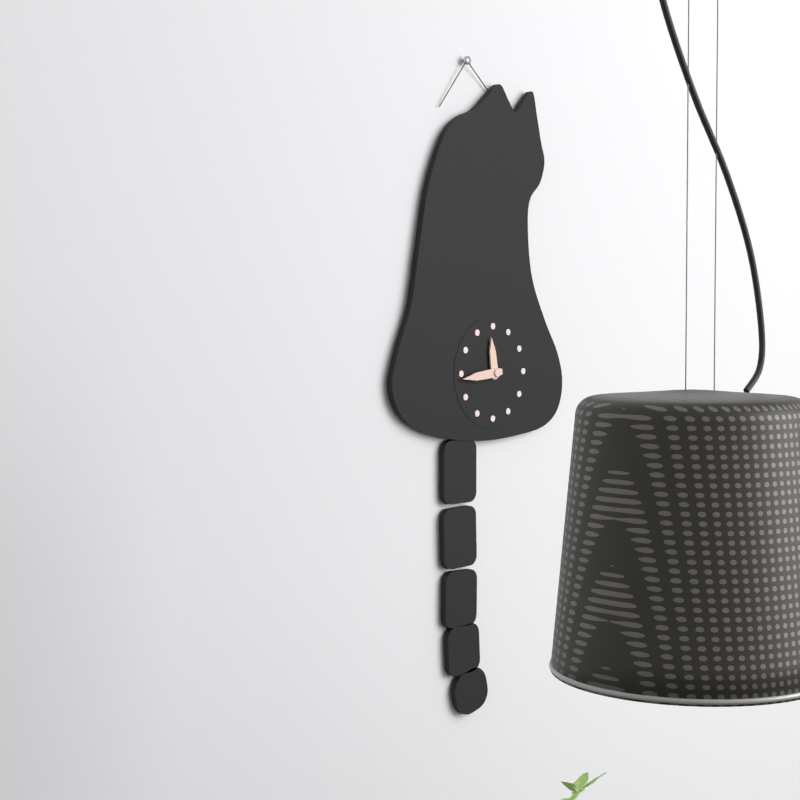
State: 11:44
